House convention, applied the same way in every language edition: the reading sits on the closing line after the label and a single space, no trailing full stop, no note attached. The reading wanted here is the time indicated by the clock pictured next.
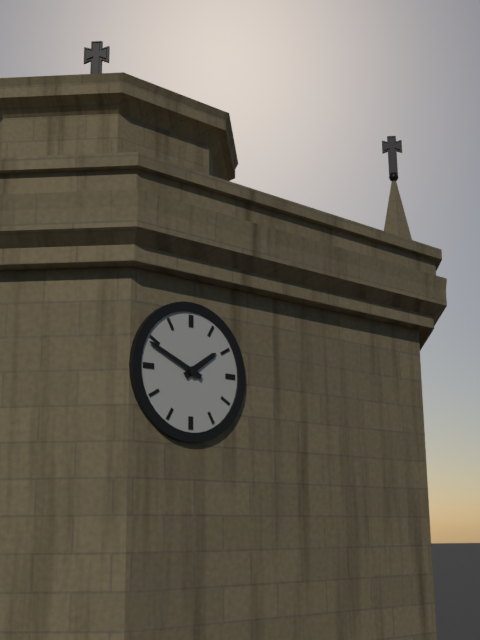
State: 1:49
